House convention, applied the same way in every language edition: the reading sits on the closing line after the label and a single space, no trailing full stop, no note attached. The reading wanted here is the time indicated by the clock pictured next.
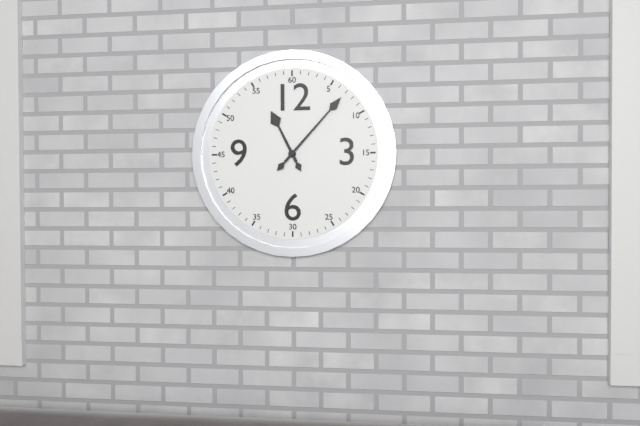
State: 11:07
